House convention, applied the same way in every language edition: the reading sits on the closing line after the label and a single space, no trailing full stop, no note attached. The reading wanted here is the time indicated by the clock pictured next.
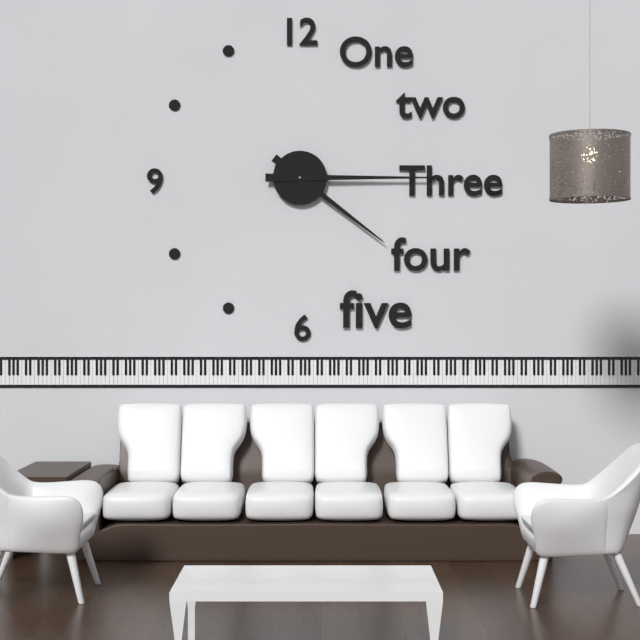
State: 4:15
